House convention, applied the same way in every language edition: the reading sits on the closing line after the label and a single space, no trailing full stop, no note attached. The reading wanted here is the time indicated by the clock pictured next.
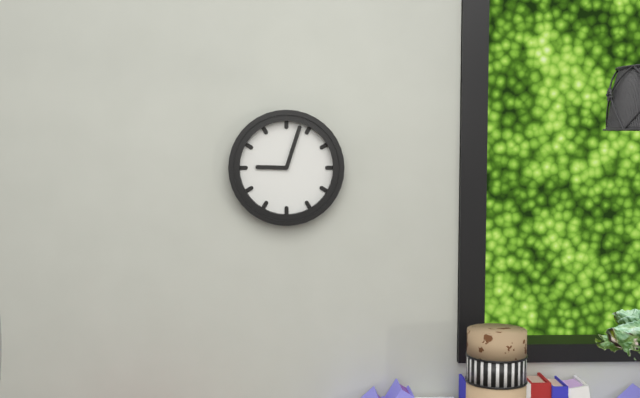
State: 9:03
